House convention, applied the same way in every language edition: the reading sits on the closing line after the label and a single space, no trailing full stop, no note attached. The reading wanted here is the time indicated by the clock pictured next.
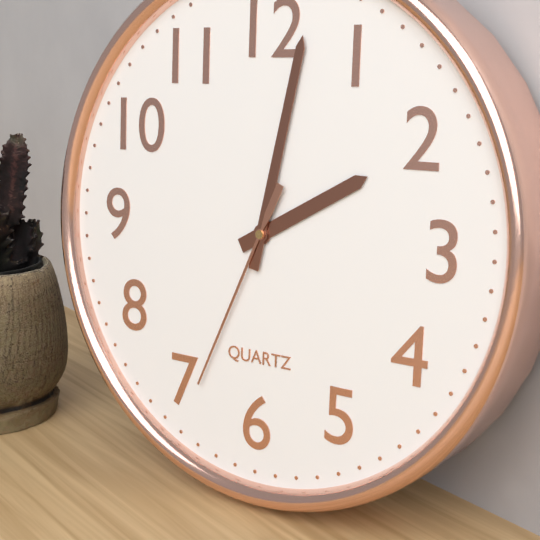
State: 2:02:34
